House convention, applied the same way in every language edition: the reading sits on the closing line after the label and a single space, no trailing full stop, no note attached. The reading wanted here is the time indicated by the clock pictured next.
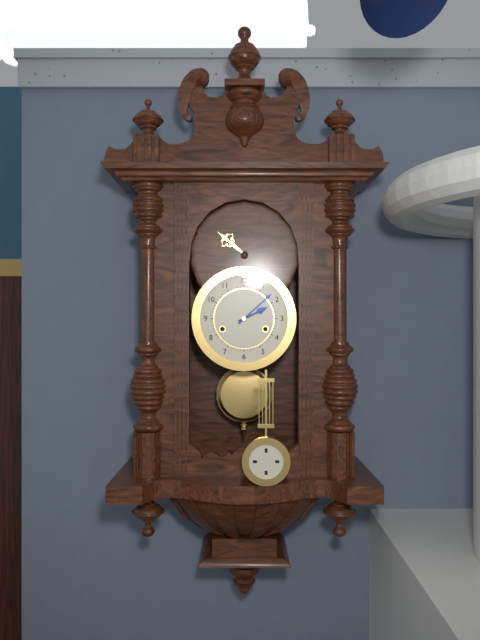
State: 2:08
